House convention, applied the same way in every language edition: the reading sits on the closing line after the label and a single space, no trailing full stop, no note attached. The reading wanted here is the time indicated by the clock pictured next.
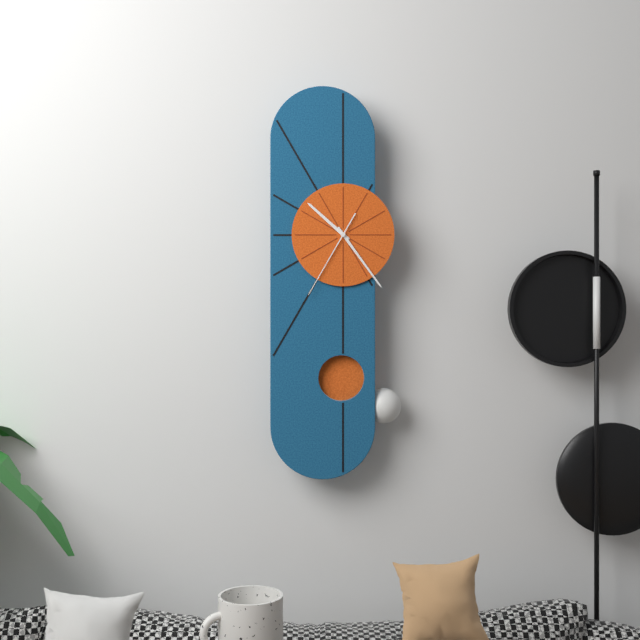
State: 10:24:35
